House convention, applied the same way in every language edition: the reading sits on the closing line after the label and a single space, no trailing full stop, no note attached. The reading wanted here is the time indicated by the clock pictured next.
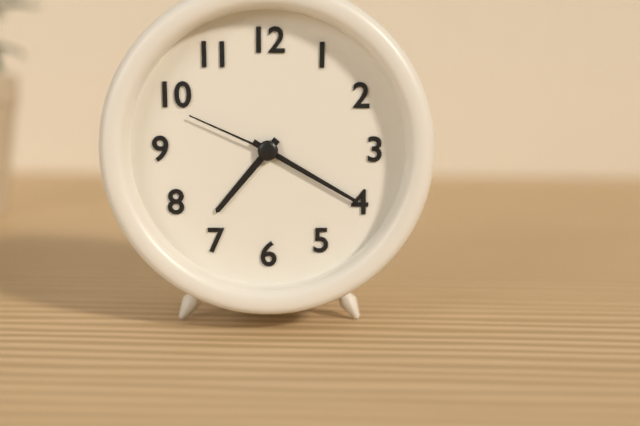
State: 7:20:49
